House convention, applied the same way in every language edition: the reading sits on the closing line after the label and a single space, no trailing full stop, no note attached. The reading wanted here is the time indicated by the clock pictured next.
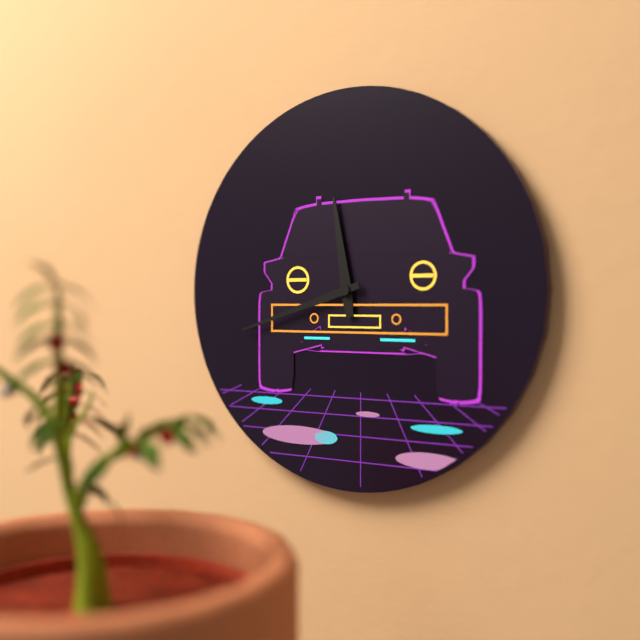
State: 11:42
